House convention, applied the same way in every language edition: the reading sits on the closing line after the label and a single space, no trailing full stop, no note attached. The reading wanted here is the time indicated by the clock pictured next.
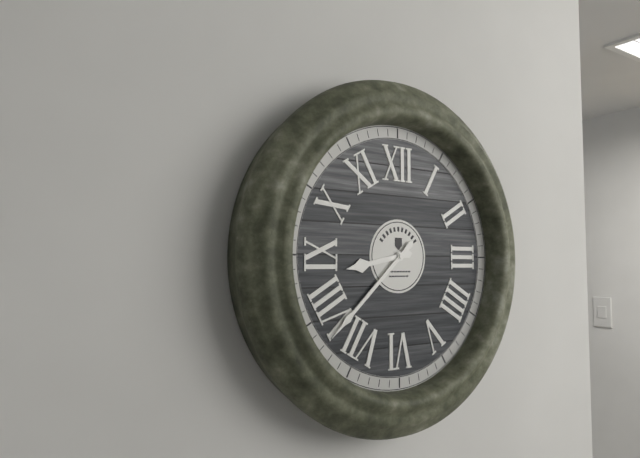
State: 8:38
